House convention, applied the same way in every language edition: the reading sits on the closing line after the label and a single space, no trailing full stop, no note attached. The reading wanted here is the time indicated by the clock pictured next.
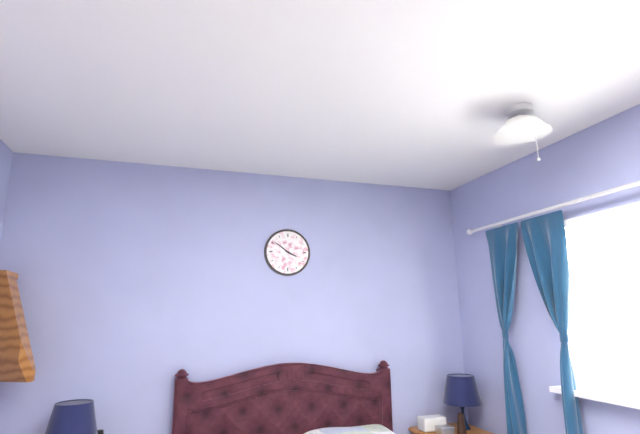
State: 3:51
